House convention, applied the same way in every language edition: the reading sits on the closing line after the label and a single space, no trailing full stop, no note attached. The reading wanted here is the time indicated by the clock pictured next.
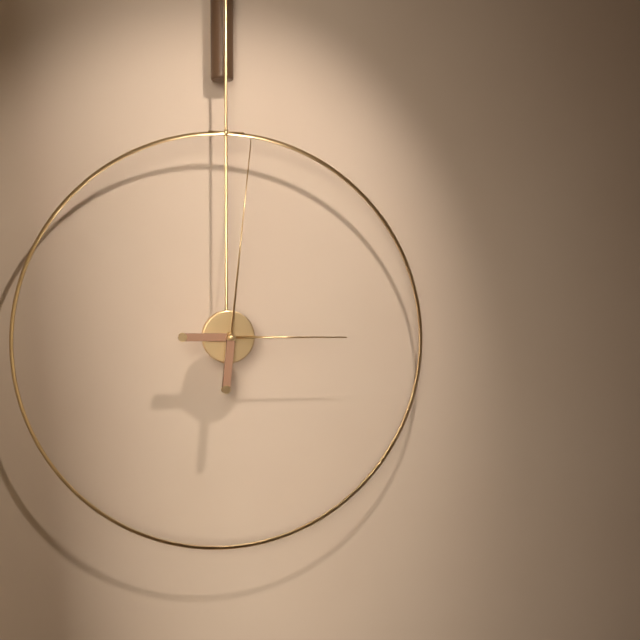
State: 3:01
